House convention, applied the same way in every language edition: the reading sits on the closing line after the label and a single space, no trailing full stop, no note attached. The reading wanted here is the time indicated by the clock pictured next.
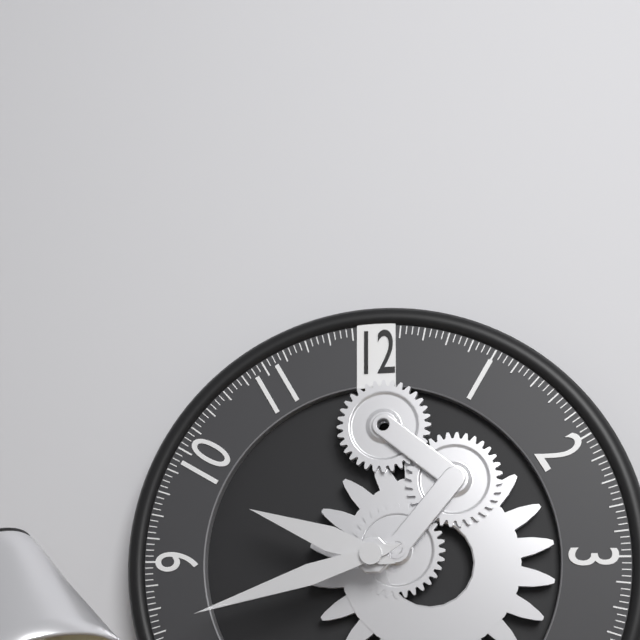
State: 9:42
